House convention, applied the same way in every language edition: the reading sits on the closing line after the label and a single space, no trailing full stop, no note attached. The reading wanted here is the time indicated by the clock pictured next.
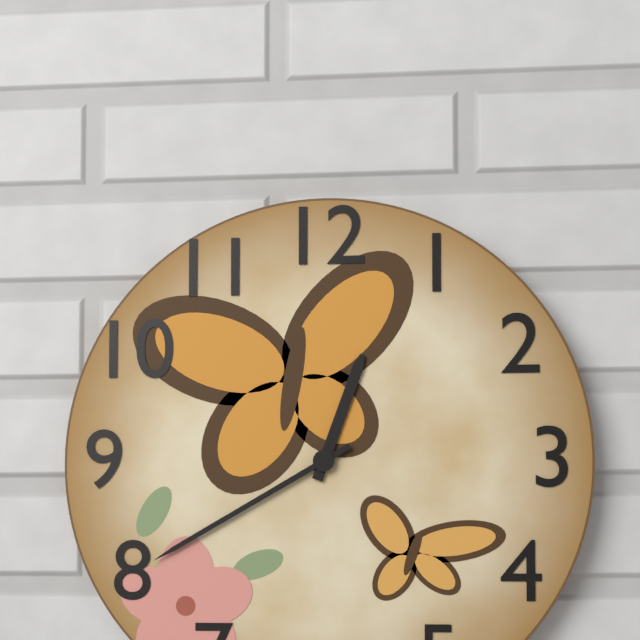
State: 12:40
